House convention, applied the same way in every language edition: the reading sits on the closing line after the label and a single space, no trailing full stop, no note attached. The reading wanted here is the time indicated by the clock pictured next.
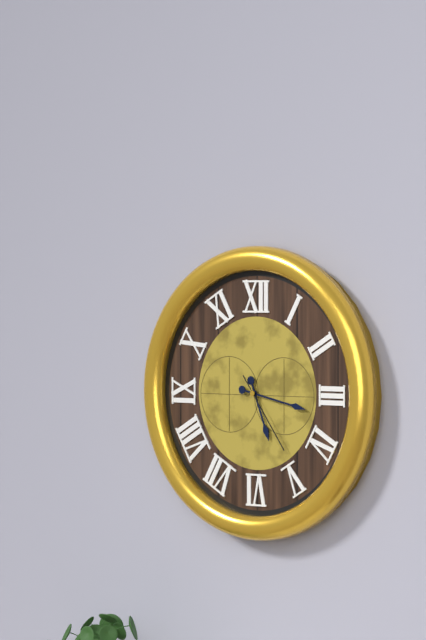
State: 5:17:24
